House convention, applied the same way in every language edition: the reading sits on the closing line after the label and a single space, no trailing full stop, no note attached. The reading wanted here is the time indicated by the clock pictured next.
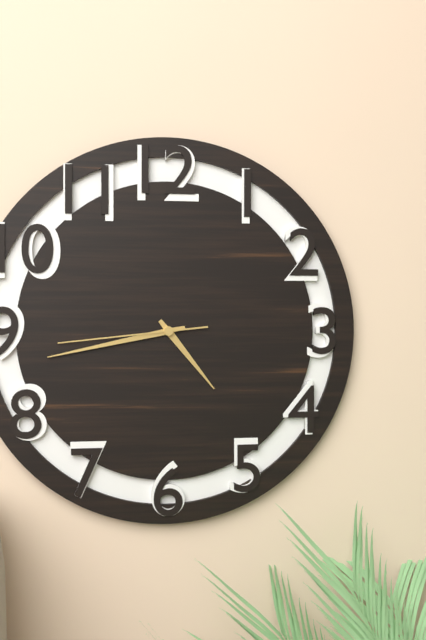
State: 4:43:44
